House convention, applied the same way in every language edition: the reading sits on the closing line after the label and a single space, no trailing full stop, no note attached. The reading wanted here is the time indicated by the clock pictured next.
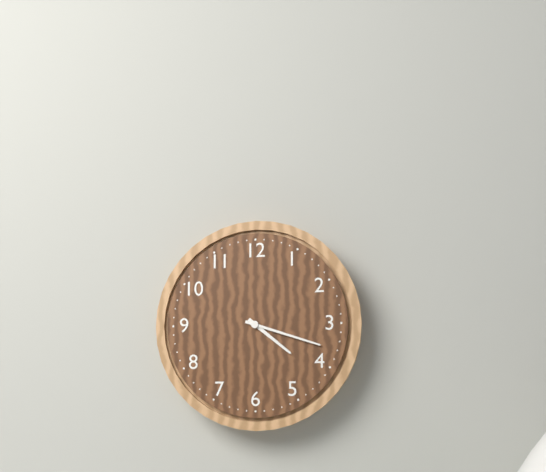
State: 4:18
